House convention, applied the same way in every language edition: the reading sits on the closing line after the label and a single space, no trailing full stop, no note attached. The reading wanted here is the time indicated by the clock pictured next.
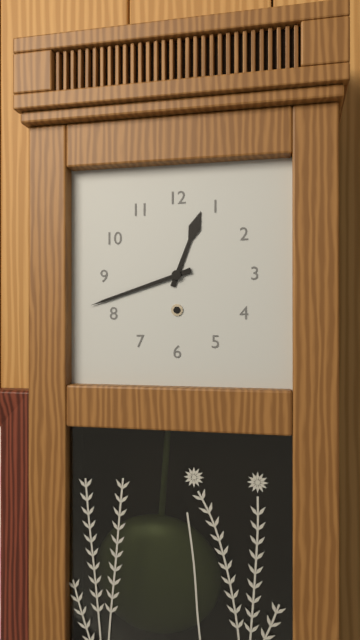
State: 12:42
